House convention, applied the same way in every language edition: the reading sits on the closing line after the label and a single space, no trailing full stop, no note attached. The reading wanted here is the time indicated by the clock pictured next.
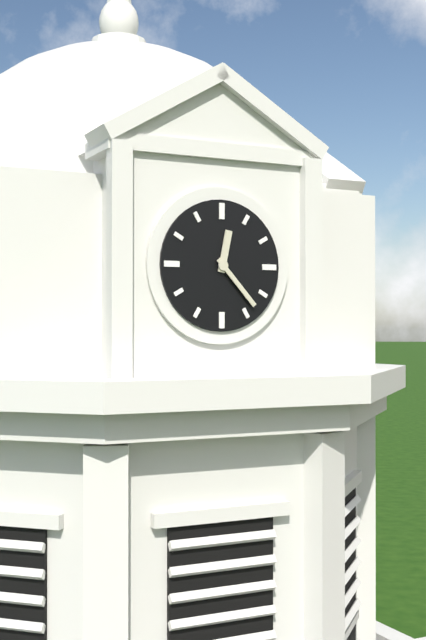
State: 12:23
